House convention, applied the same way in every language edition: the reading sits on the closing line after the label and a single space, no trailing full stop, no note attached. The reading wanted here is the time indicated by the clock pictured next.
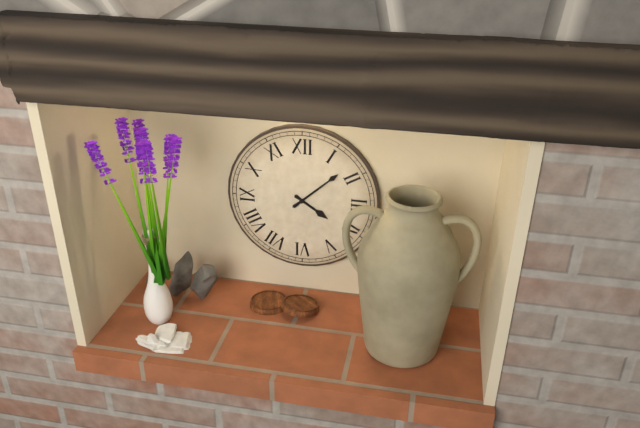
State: 4:08
